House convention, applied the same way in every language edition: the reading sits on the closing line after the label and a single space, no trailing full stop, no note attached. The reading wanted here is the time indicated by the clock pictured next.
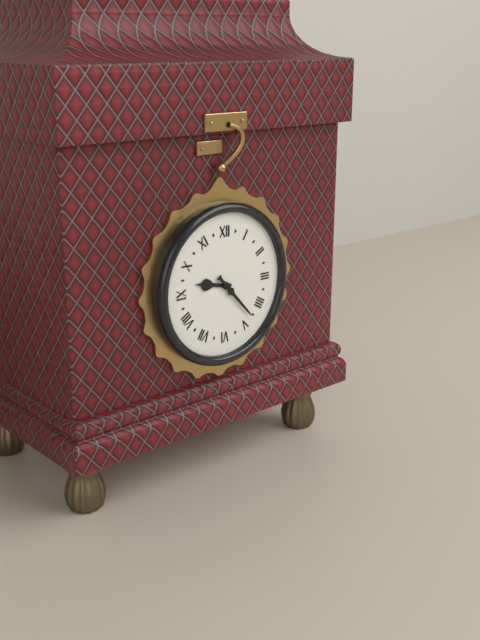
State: 9:23
